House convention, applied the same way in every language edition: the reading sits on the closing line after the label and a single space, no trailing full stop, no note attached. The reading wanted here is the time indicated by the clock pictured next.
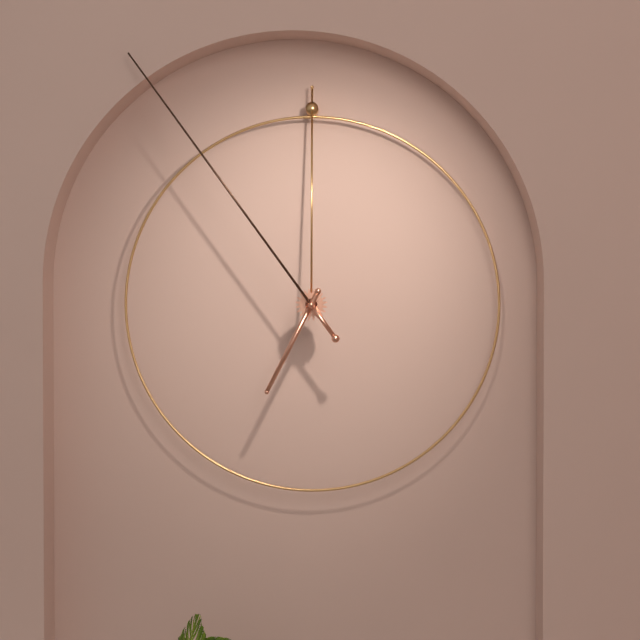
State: 6:54
